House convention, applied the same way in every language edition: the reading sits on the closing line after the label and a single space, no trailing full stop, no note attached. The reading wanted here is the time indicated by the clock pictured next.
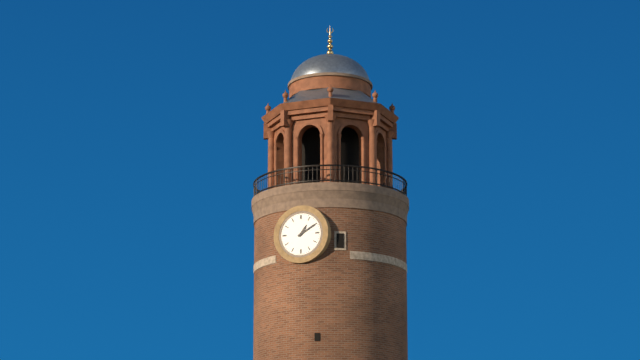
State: 1:10
